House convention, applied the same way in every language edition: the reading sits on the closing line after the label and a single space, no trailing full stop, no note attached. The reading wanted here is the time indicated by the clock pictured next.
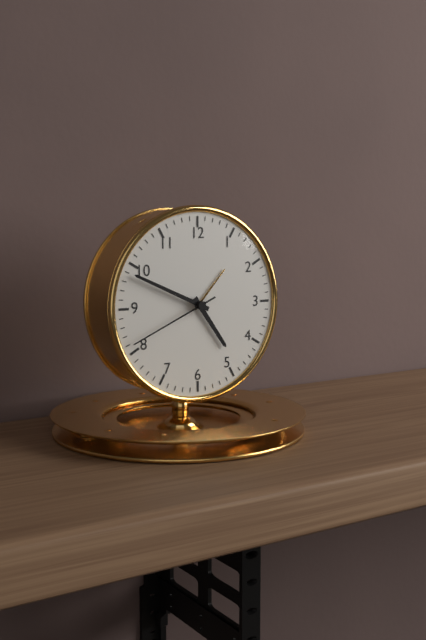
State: 4:49:41
